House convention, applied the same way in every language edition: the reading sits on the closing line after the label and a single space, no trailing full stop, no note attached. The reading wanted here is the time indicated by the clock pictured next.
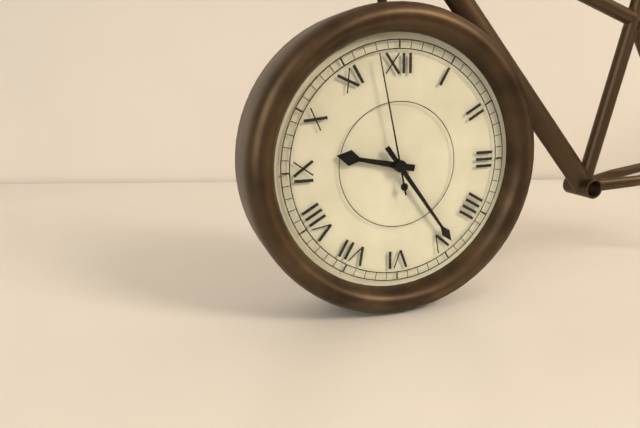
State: 9:24:58
